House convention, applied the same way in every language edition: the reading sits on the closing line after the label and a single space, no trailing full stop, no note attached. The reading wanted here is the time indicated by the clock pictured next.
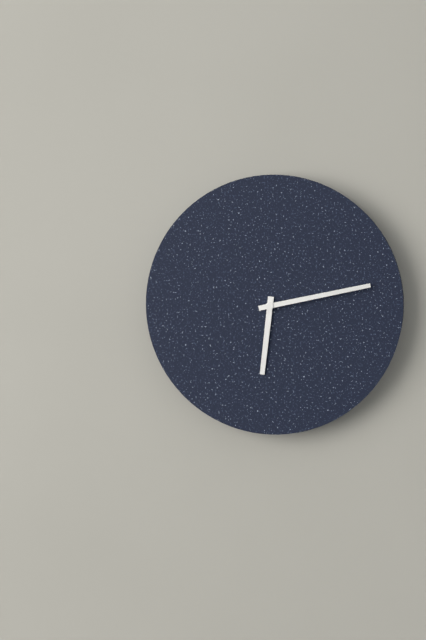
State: 6:13
